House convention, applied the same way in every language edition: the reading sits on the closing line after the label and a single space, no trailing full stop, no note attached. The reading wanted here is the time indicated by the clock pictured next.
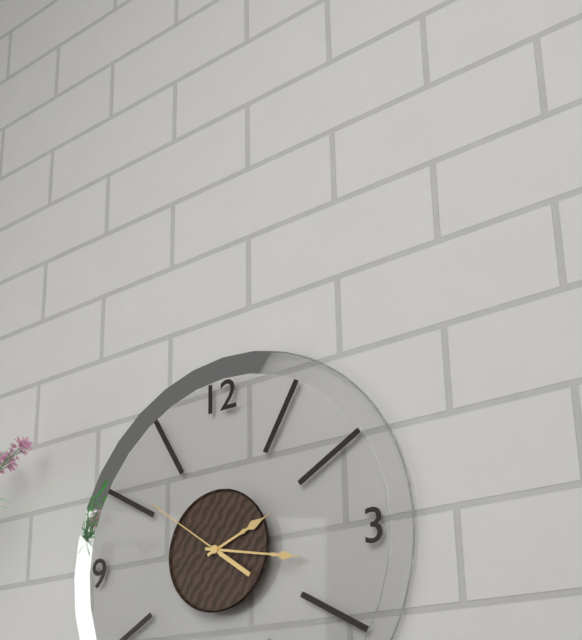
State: 2:17:51
